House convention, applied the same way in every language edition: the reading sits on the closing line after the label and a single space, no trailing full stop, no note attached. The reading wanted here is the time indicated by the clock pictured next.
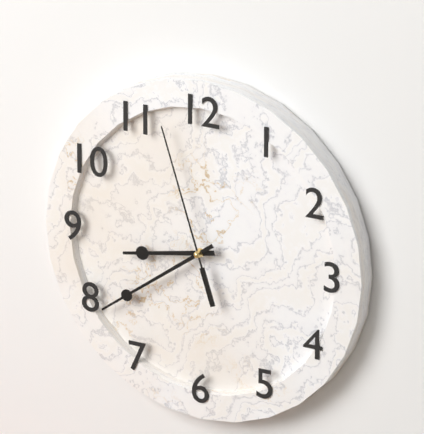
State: 8:39:57
